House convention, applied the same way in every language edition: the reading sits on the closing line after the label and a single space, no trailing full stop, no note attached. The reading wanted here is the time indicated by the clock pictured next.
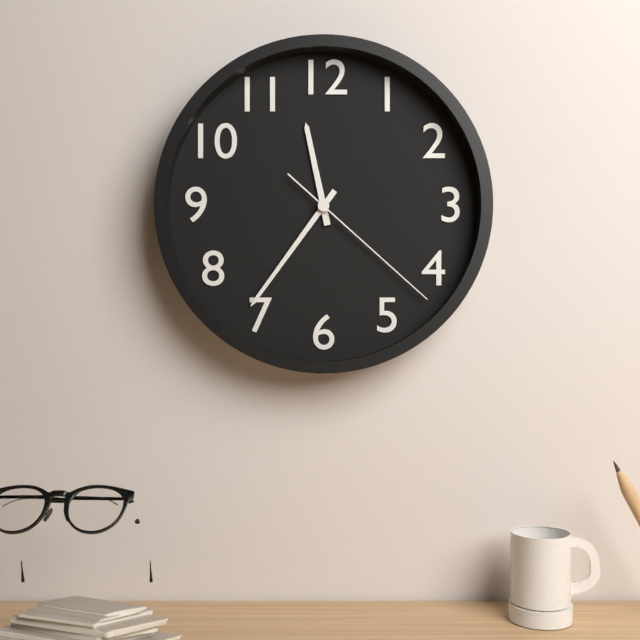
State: 11:36:22
